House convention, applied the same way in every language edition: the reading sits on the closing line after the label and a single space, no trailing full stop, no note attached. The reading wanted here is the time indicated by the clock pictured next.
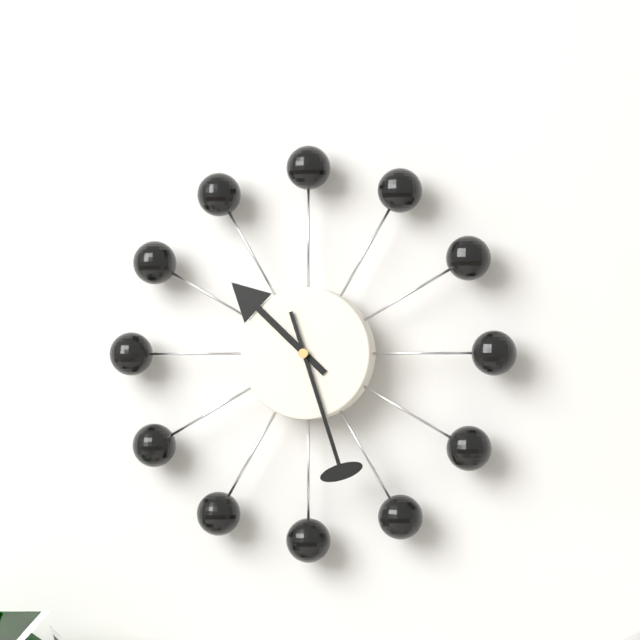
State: 10:27
